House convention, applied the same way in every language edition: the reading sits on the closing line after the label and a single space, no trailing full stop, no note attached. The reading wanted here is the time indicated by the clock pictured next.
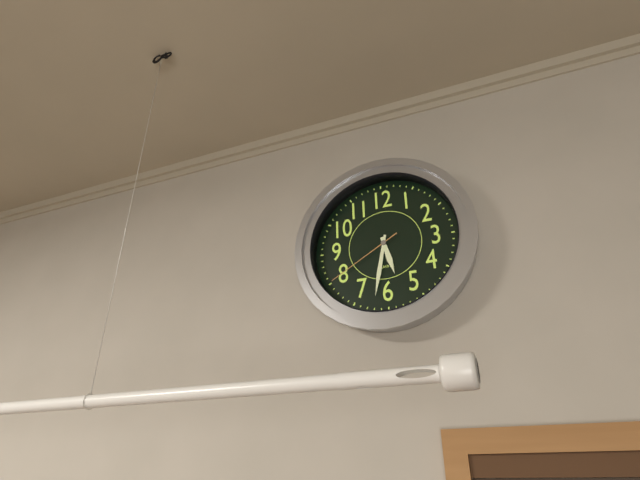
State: 5:32:40
